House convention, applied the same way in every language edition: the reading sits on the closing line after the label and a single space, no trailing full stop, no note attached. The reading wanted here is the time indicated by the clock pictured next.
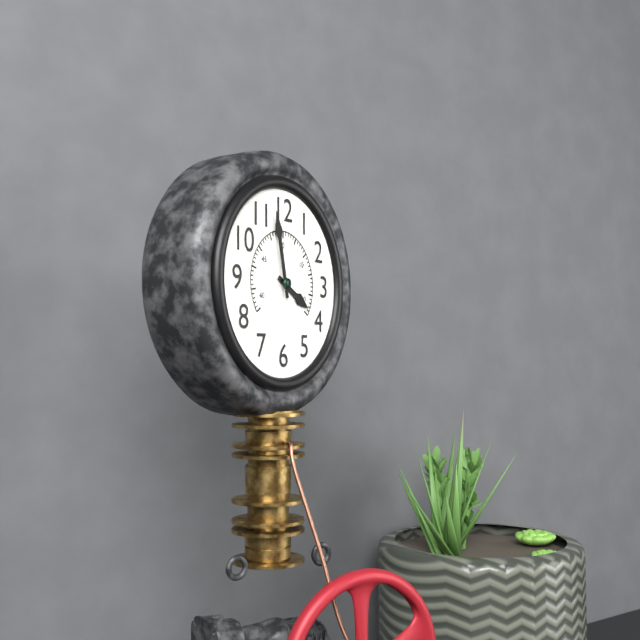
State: 3:58
